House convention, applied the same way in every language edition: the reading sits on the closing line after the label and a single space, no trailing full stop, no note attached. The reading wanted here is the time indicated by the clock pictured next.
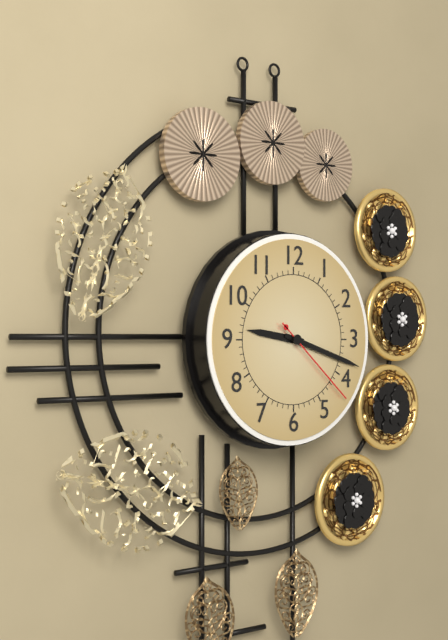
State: 9:18:22
